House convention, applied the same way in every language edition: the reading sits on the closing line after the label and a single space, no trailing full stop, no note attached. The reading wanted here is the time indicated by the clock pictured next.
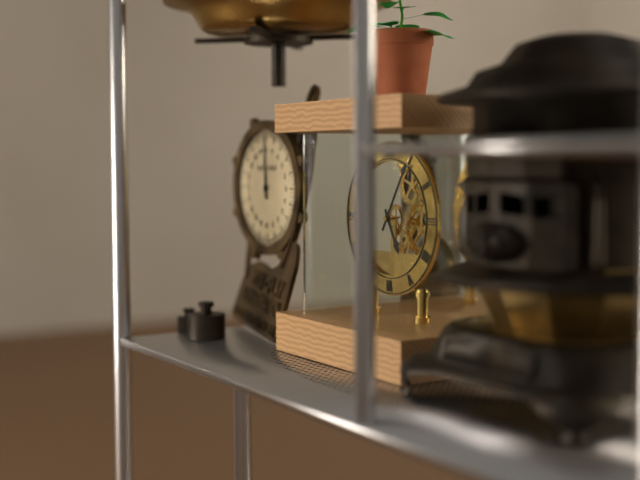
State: 5:05
